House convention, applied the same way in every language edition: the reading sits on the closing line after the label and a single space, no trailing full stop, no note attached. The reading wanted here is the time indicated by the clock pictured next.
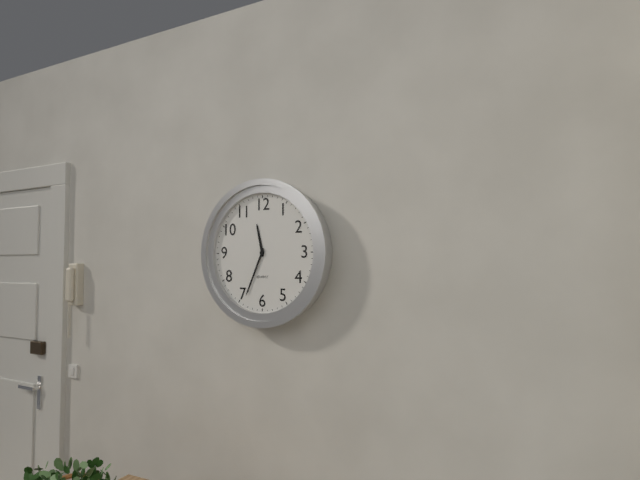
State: 11:34
